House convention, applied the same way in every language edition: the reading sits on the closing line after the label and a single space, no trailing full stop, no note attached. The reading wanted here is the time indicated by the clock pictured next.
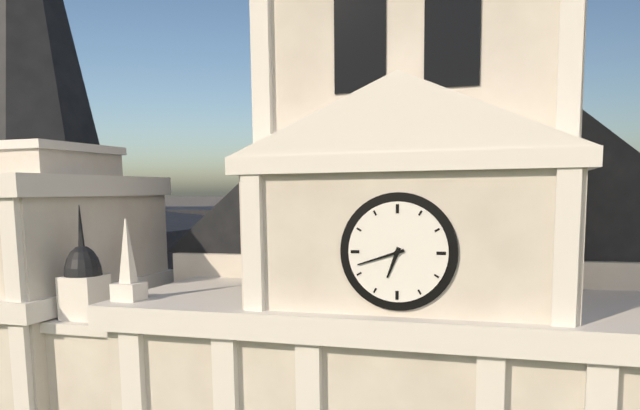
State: 6:42
